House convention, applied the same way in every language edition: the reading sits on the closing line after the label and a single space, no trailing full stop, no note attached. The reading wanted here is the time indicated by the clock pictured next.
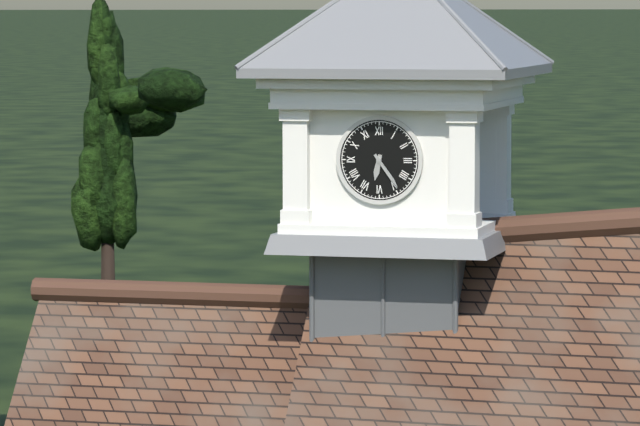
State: 6:24
